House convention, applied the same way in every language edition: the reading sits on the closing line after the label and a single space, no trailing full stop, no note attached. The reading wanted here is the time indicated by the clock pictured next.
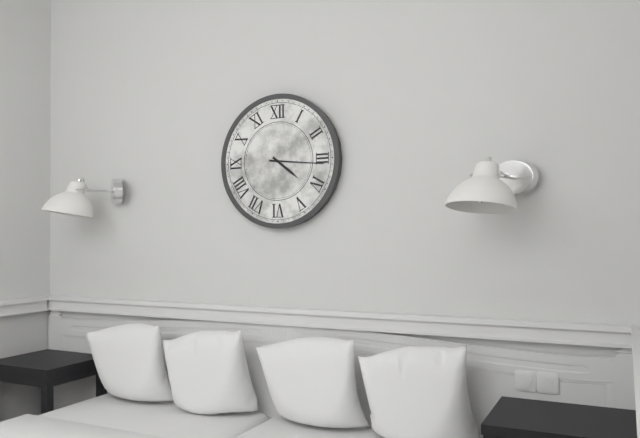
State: 4:16
